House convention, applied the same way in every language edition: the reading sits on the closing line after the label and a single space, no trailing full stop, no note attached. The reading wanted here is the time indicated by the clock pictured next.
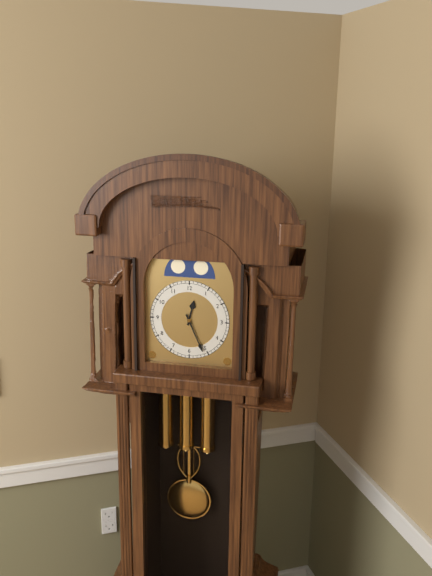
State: 12:26
